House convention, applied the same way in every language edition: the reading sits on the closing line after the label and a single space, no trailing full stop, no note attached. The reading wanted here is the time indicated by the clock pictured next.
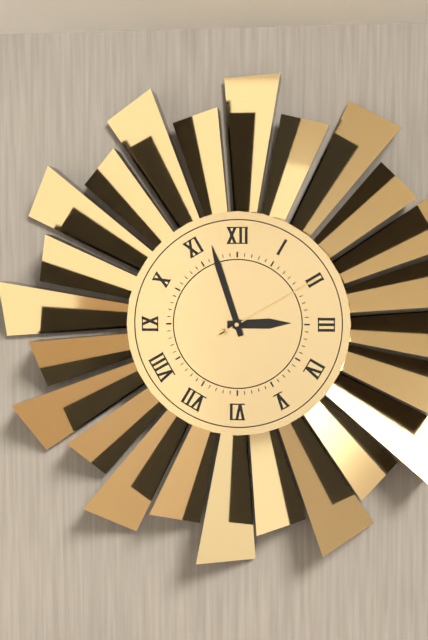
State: 2:57:10
